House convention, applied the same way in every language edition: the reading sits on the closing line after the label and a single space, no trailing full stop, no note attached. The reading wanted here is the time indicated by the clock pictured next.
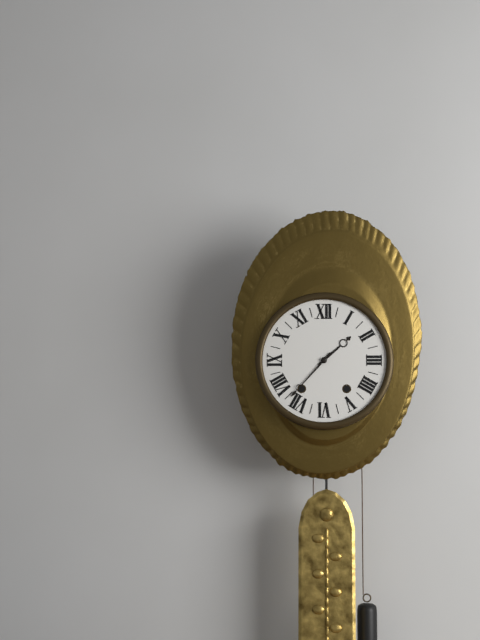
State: 1:37
